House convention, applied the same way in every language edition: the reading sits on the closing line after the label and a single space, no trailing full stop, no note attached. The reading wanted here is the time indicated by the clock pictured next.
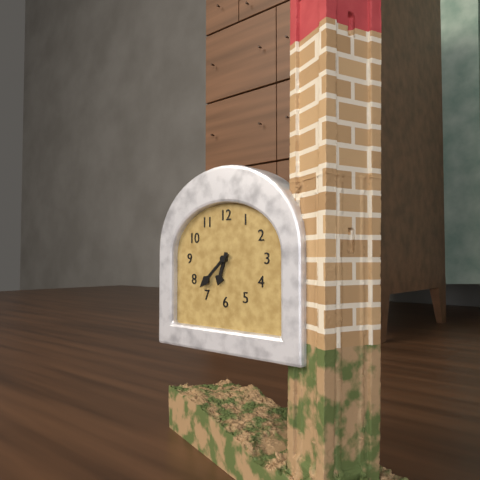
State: 6:38
